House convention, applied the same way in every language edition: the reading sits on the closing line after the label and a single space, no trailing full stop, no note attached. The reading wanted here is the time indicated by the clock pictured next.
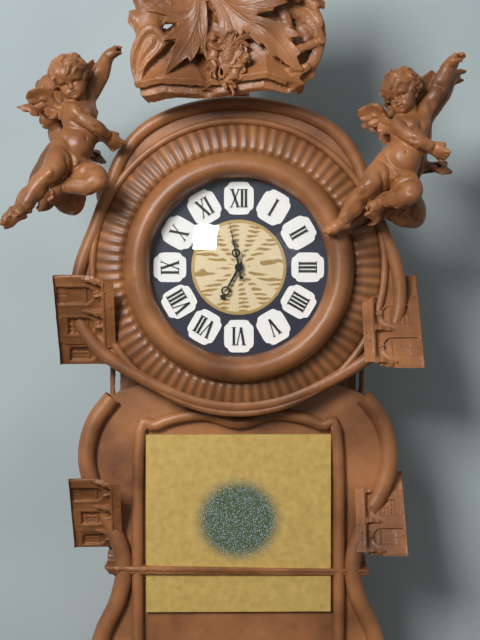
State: 6:58
